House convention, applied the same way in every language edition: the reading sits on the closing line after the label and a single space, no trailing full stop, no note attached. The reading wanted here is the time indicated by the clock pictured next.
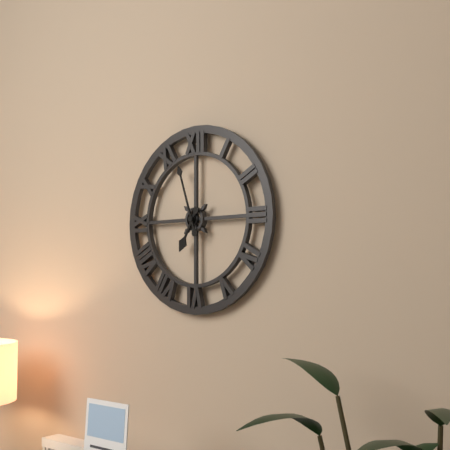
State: 6:57
